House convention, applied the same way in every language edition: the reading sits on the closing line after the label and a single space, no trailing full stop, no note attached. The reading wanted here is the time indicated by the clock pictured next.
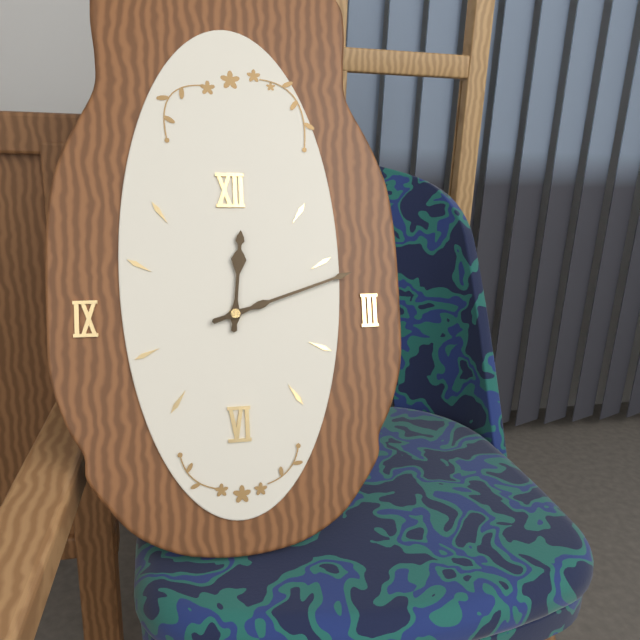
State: 12:12
